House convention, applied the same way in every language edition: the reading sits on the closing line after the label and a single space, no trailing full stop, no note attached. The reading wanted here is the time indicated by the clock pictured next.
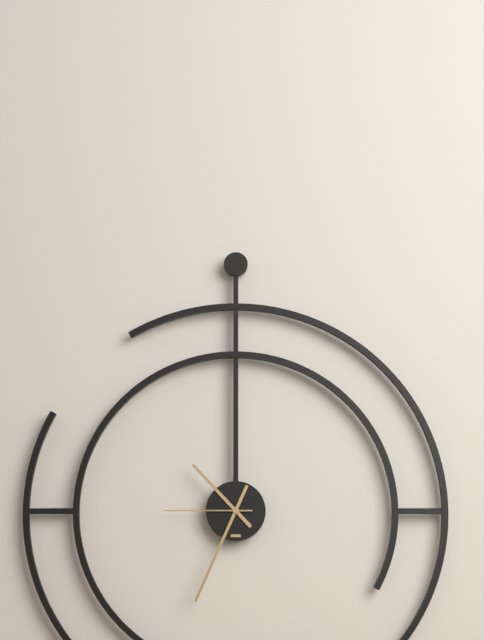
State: 10:34:45
